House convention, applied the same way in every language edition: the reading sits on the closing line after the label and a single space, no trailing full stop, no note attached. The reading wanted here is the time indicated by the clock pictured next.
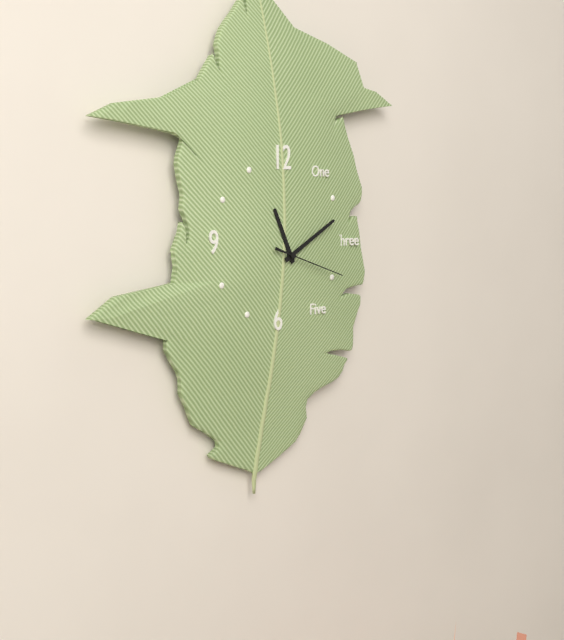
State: 11:10:18
